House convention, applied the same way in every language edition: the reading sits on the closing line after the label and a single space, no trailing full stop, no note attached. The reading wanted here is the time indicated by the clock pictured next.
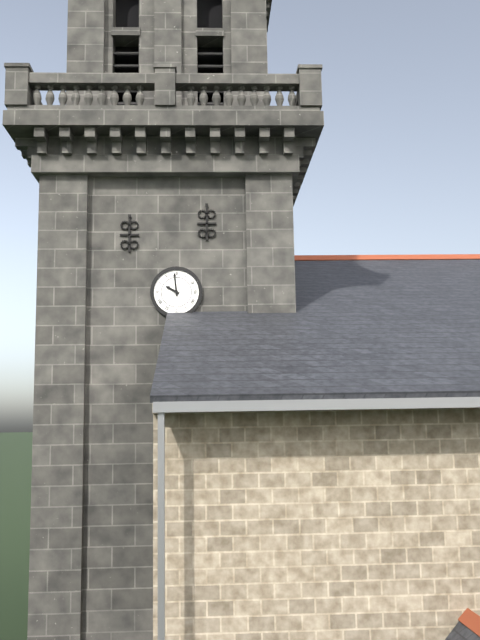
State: 9:59
